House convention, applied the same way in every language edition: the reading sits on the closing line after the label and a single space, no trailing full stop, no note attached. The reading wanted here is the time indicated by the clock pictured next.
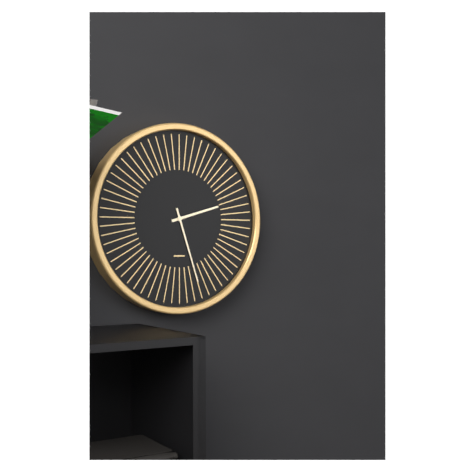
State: 2:27
